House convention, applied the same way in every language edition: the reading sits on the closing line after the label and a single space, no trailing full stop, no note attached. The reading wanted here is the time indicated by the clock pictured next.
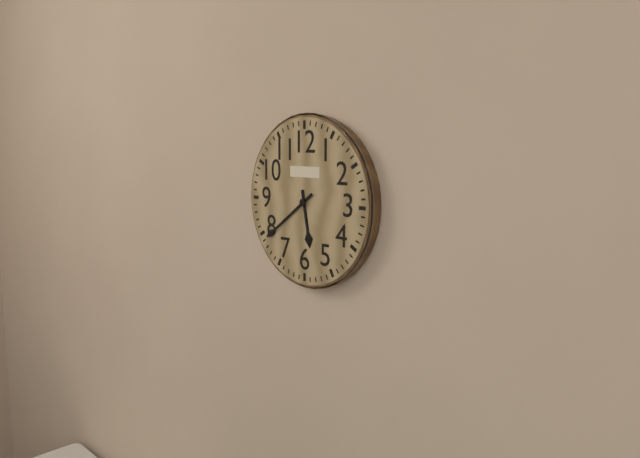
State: 5:39
